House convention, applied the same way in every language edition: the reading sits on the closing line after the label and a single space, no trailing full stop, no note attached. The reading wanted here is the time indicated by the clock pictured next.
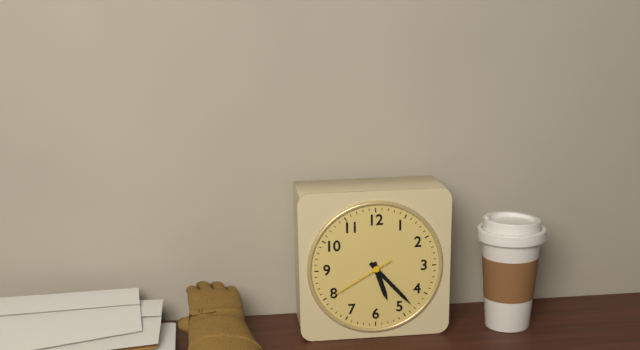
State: 5:23:40
